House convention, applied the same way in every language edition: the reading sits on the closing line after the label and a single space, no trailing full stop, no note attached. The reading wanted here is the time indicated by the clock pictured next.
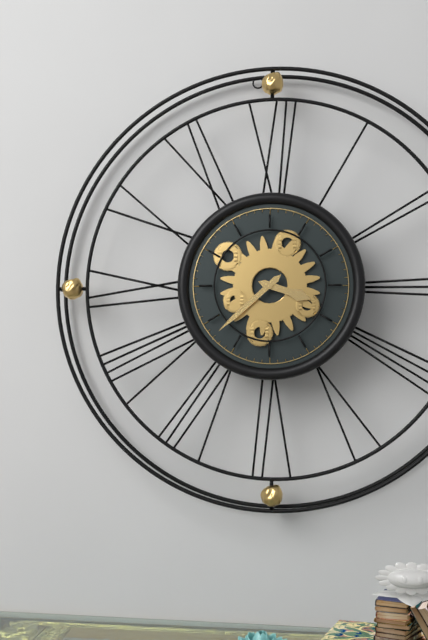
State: 3:38
